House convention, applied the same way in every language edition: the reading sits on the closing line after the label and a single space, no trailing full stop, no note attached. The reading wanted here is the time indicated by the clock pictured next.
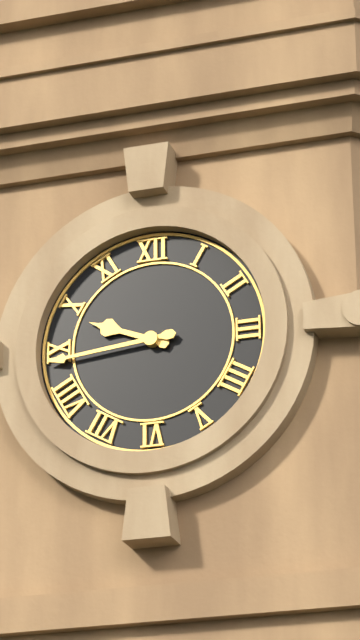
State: 9:44
